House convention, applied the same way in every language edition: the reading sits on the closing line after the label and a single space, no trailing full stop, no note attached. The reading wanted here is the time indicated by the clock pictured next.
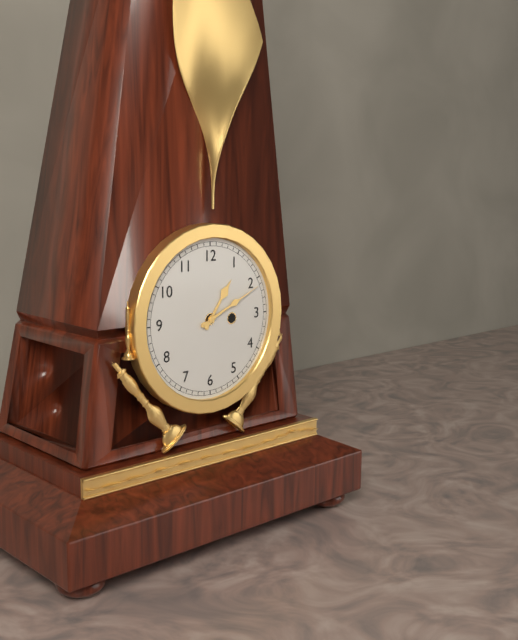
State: 1:11
